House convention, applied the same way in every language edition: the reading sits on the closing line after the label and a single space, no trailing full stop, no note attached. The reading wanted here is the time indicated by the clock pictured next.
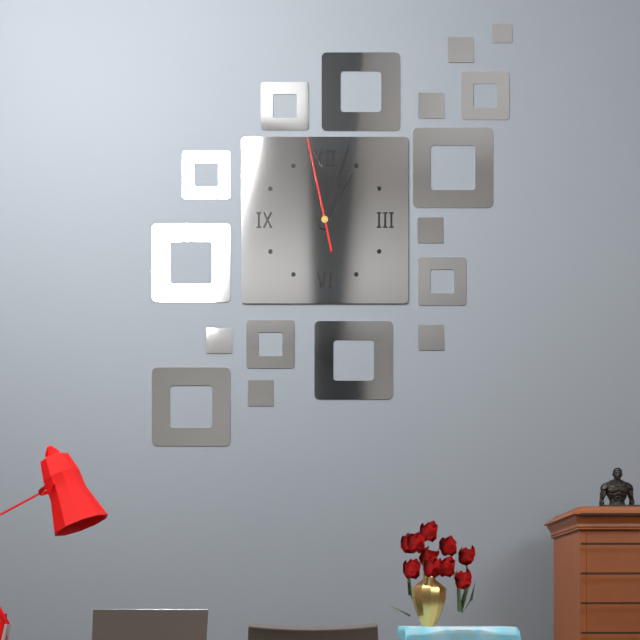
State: 1:03:58
